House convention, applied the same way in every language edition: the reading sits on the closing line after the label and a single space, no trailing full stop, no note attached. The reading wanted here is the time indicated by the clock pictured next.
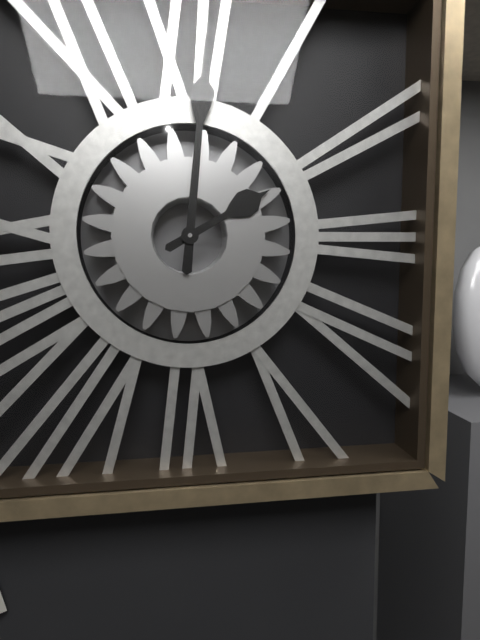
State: 2:01
